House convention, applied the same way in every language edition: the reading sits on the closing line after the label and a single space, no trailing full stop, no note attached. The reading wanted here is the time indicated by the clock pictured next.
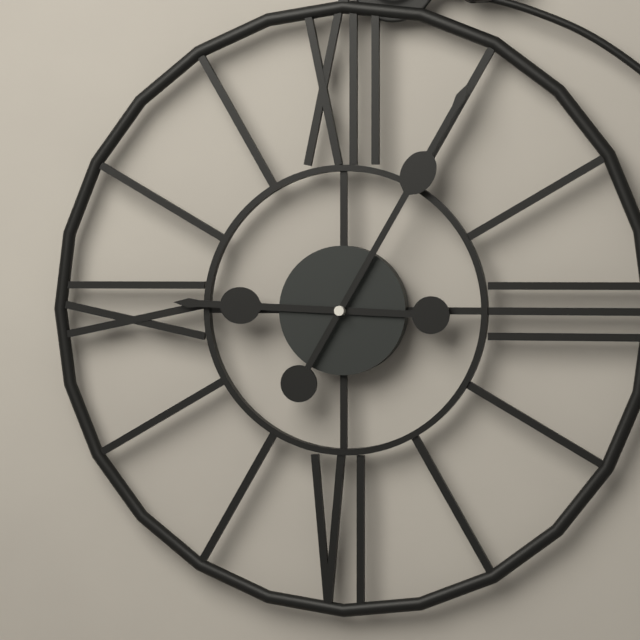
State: 9:05
